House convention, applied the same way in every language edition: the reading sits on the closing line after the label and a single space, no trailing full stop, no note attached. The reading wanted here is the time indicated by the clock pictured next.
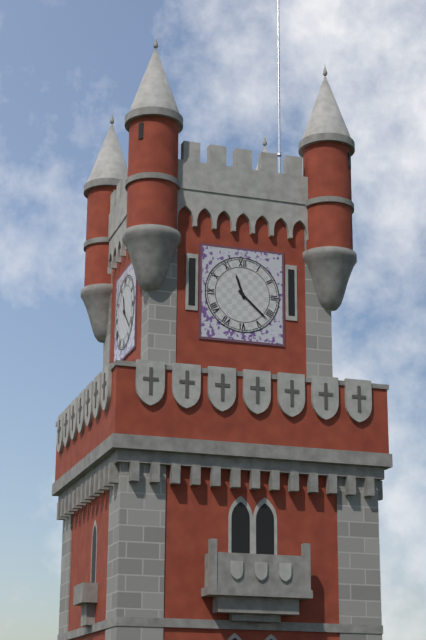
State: 11:22
